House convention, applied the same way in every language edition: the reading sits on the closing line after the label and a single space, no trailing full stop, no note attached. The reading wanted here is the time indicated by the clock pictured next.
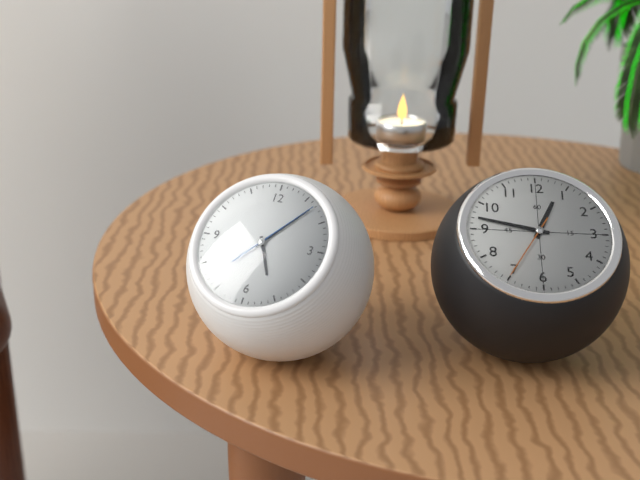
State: 5:07:07
